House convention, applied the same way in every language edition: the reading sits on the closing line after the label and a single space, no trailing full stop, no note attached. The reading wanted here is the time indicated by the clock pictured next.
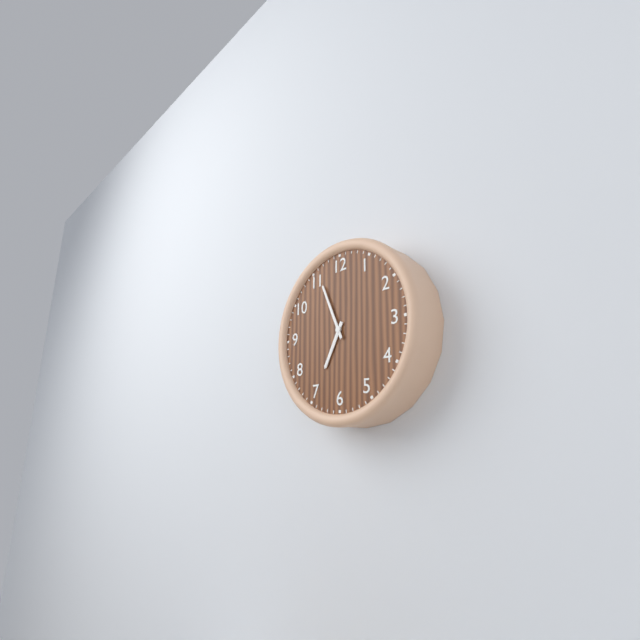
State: 6:56
